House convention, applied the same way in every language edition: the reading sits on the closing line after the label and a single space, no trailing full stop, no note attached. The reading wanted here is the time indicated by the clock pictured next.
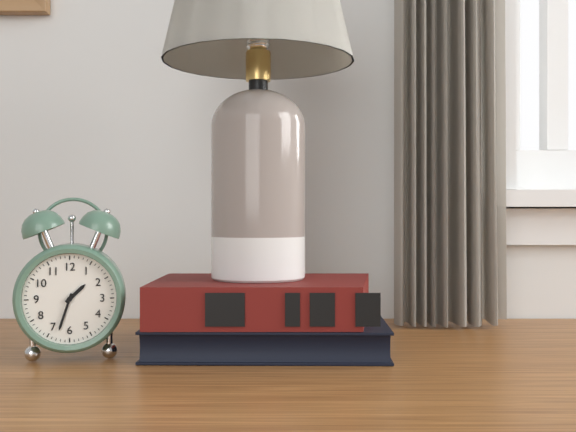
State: 1:33
